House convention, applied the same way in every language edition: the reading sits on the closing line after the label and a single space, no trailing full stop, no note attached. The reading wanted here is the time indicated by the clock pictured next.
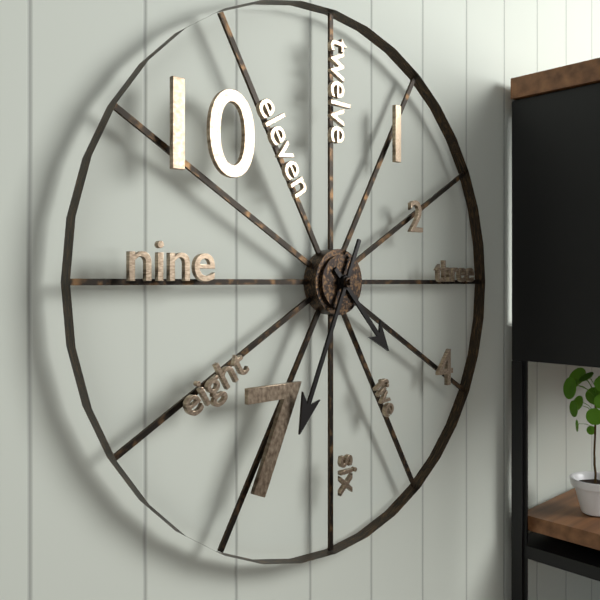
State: 4:34
